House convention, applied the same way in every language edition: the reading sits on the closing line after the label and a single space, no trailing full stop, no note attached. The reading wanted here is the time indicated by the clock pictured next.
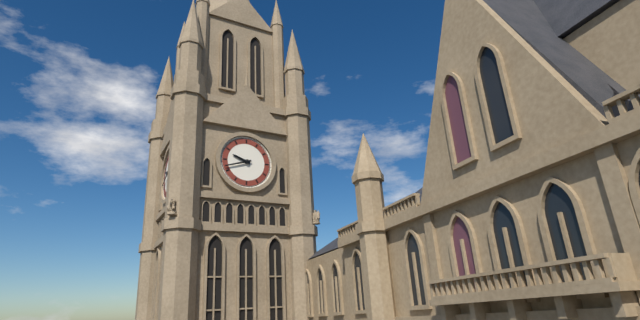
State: 9:42
